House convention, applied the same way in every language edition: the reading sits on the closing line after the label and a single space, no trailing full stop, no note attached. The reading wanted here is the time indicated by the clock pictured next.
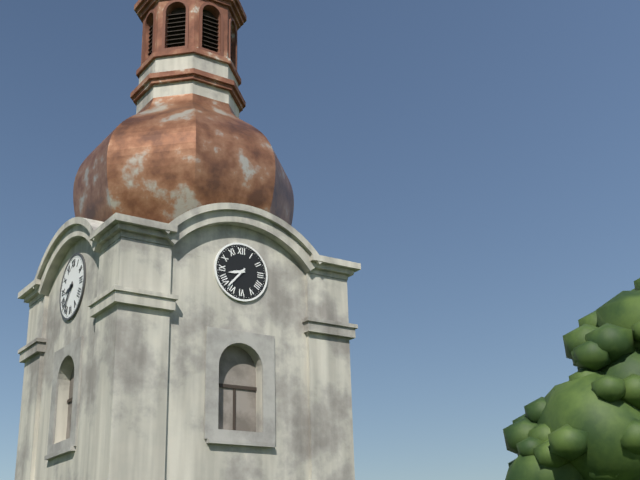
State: 8:37
